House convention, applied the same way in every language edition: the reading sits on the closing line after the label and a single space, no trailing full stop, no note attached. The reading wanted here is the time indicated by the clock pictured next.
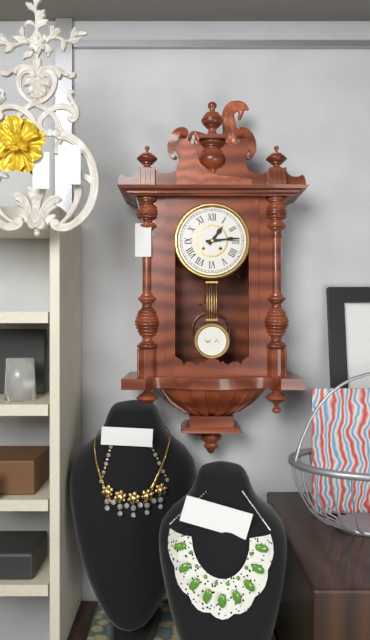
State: 1:14
